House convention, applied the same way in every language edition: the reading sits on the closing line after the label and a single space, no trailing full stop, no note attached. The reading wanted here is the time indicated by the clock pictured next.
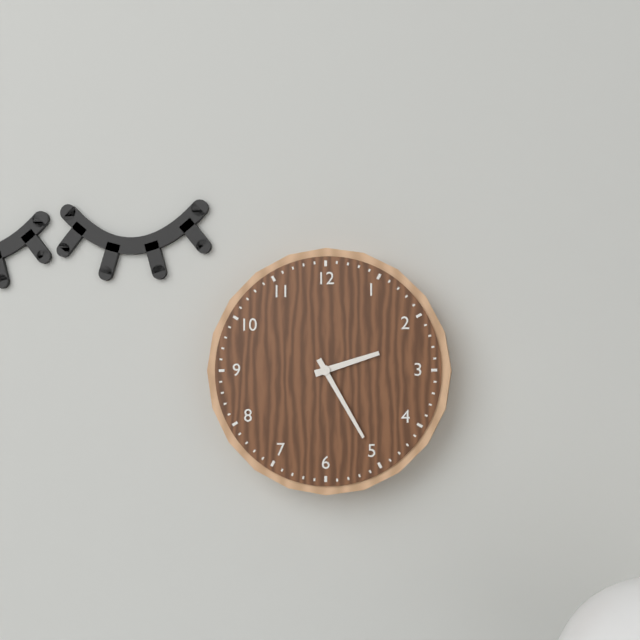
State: 2:25
